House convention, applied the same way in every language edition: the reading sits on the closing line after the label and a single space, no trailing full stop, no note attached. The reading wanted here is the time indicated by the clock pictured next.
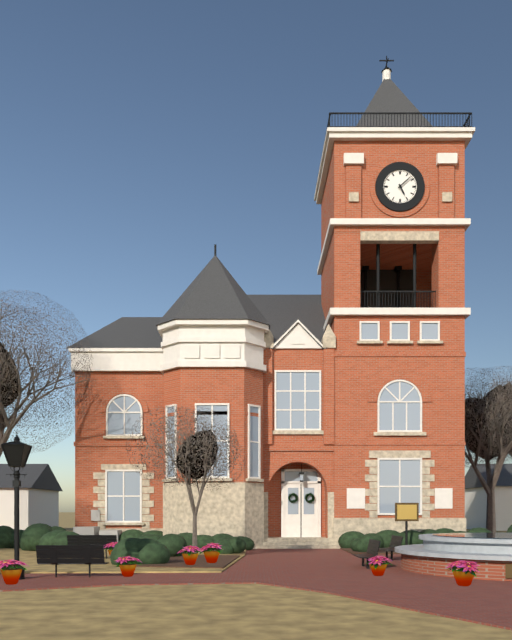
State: 5:08
